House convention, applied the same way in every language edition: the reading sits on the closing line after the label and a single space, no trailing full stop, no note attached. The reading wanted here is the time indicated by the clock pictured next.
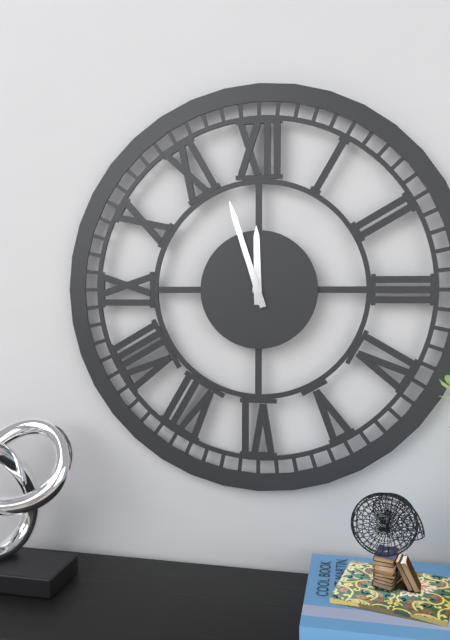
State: 11:57
